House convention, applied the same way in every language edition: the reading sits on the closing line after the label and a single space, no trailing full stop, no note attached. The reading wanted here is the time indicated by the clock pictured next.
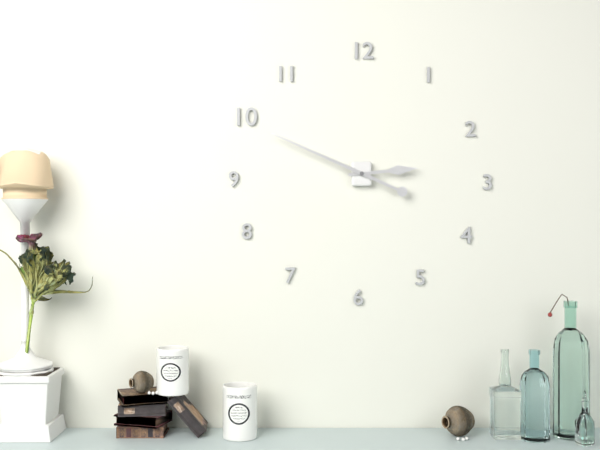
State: 2:49
